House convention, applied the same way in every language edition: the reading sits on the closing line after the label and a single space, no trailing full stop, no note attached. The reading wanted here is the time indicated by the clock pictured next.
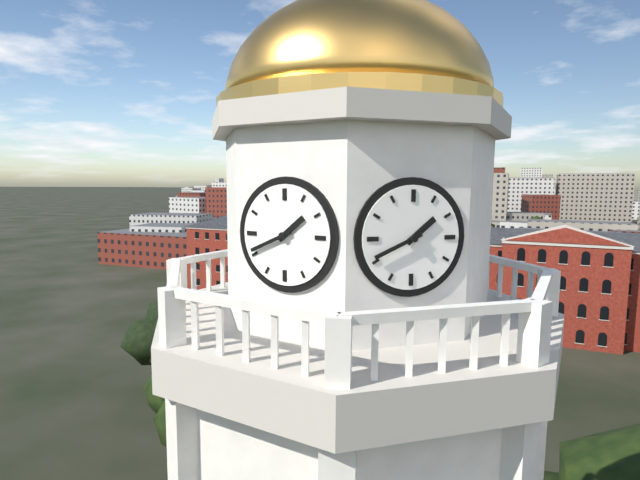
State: 1:41
